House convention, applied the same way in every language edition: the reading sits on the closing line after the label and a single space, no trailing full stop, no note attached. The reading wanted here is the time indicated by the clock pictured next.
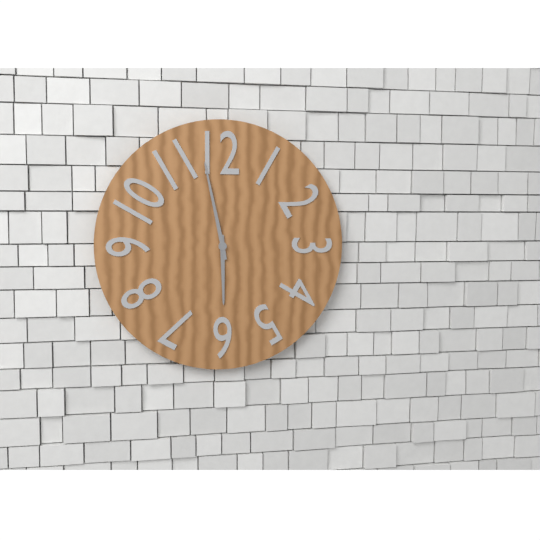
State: 5:58
